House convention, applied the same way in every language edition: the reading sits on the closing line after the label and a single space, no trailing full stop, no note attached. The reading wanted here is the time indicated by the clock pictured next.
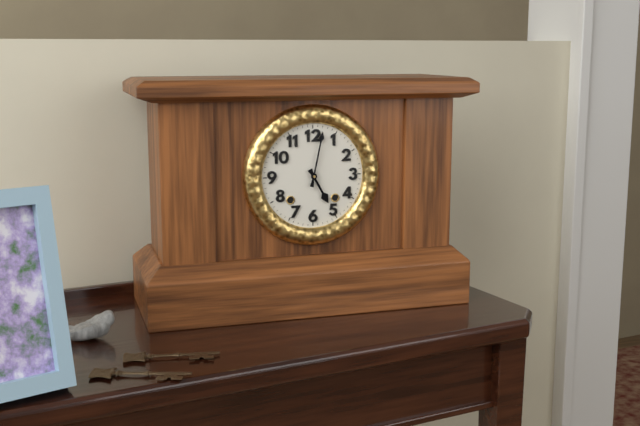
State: 5:02
